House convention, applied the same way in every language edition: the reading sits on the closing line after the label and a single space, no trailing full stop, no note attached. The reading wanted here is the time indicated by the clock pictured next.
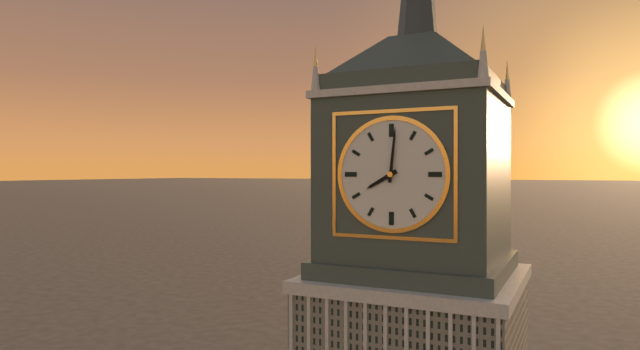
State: 8:01
